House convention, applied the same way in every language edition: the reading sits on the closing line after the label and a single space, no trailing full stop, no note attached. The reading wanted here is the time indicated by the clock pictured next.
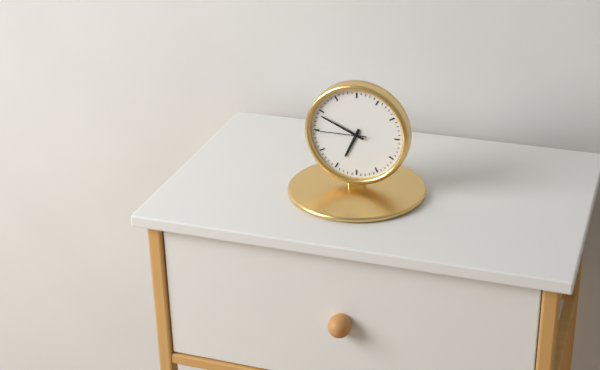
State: 6:49:45
